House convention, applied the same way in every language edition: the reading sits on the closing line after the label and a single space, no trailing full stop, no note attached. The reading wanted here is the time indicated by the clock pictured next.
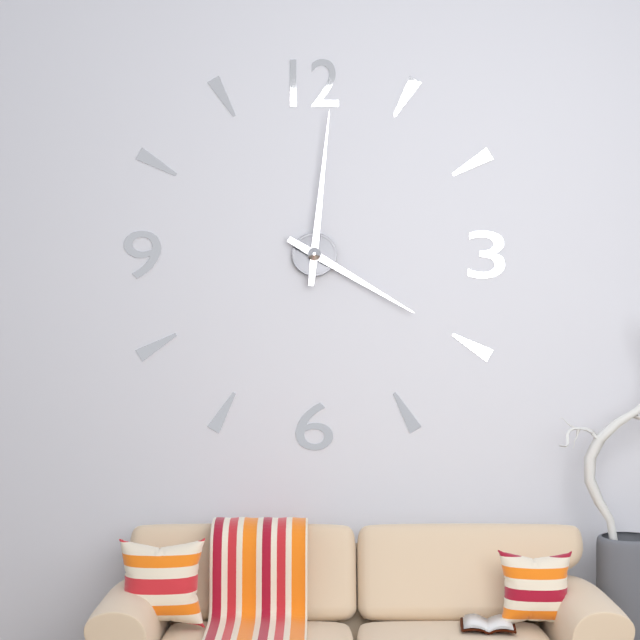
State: 4:01
